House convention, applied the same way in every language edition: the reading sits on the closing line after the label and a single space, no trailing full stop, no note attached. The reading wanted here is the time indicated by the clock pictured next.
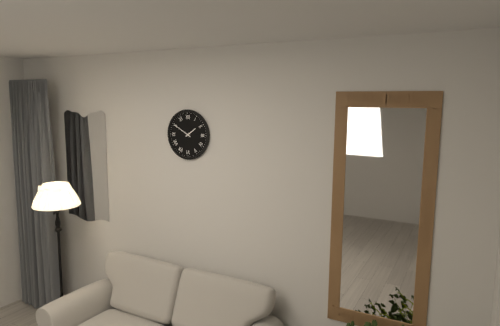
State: 1:50
